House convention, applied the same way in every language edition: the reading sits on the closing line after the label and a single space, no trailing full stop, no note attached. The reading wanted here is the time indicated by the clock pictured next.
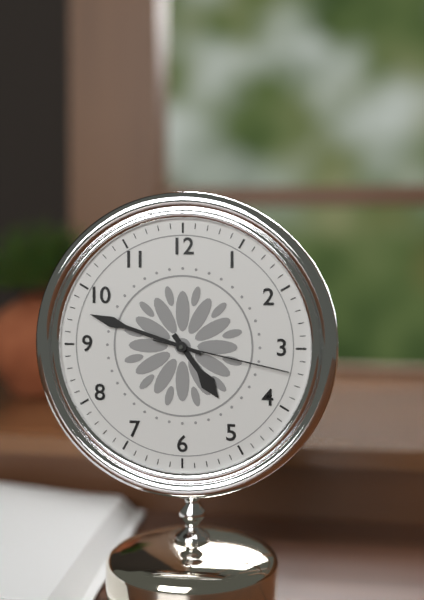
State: 4:48:17
